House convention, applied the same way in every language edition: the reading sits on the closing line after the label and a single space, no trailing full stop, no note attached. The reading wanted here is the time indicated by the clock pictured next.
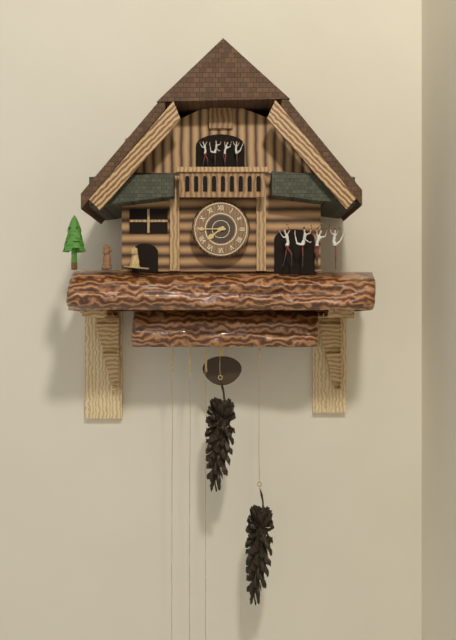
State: 7:45
